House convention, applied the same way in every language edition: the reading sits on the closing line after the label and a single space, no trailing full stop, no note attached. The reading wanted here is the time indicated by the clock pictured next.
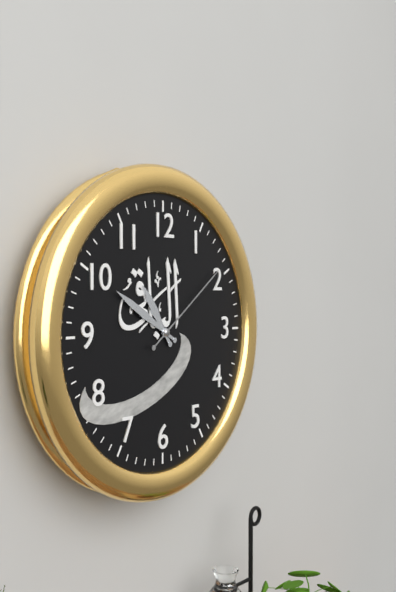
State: 10:50:09
